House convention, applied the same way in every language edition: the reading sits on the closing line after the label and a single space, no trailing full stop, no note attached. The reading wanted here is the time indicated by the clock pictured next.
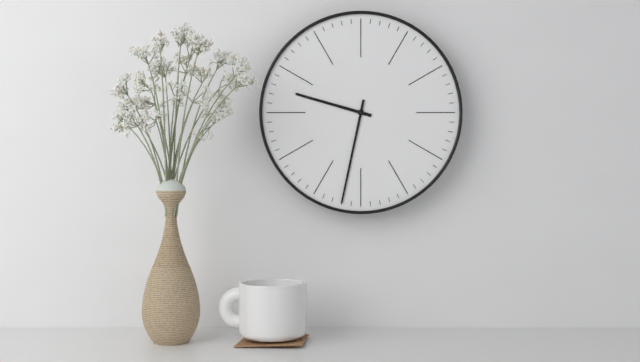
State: 9:32
